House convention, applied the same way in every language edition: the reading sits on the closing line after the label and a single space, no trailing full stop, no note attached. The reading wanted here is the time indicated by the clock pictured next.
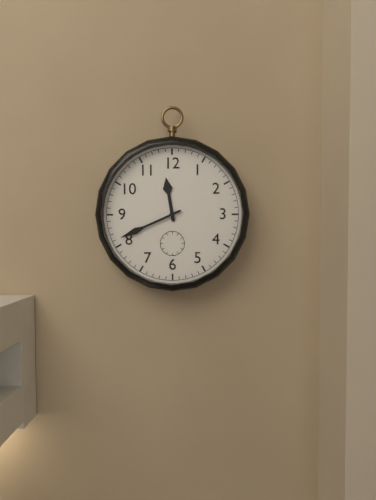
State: 11:41
